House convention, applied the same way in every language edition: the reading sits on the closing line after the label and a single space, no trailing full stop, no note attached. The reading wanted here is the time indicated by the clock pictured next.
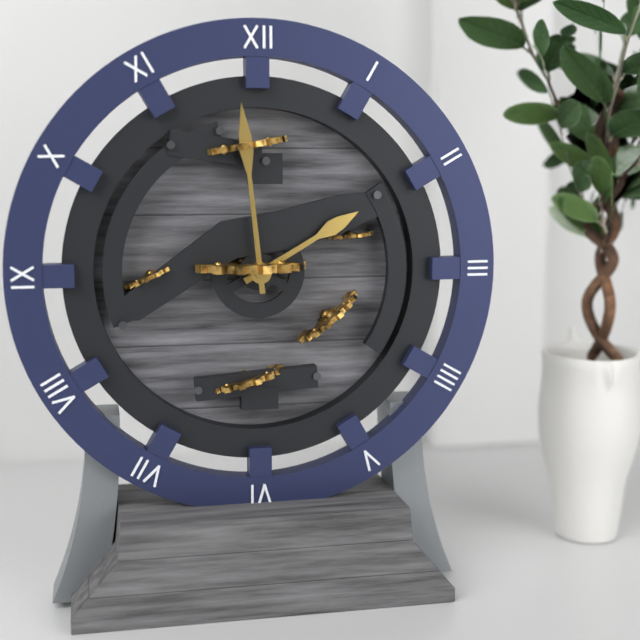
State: 1:59
